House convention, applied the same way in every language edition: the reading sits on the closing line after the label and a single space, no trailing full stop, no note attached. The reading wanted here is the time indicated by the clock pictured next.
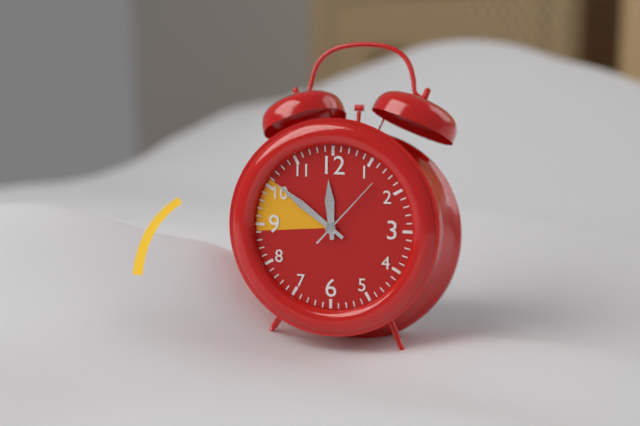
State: 11:51:07
